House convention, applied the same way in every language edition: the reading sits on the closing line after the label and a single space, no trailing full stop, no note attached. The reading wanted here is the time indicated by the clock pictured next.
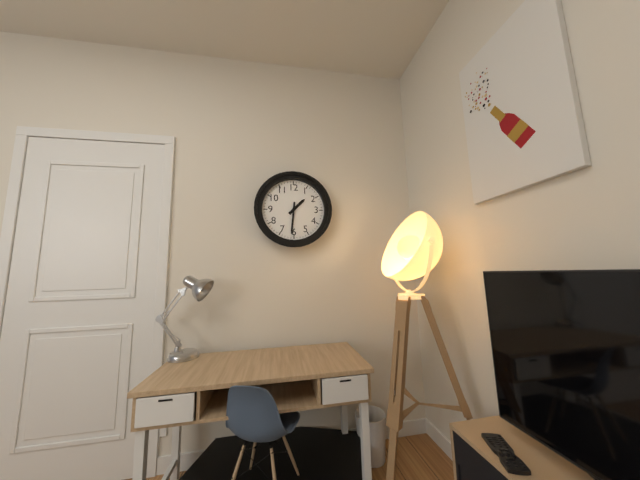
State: 1:31
